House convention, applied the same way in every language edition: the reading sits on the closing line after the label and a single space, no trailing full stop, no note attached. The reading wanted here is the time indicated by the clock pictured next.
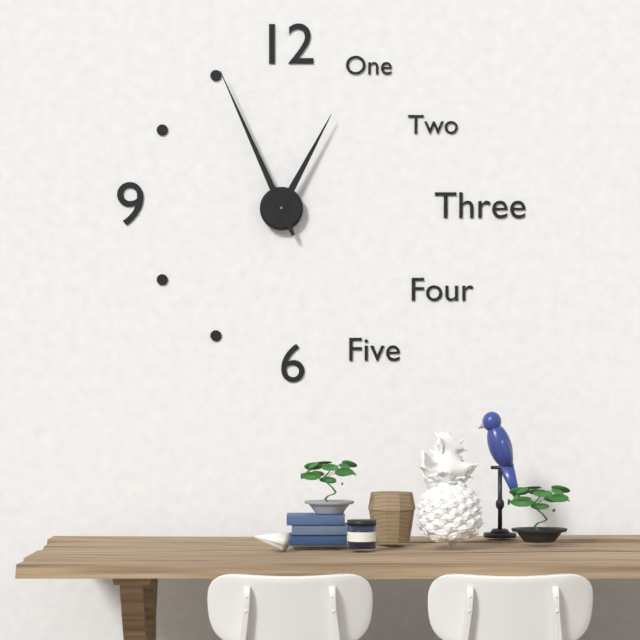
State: 12:56
